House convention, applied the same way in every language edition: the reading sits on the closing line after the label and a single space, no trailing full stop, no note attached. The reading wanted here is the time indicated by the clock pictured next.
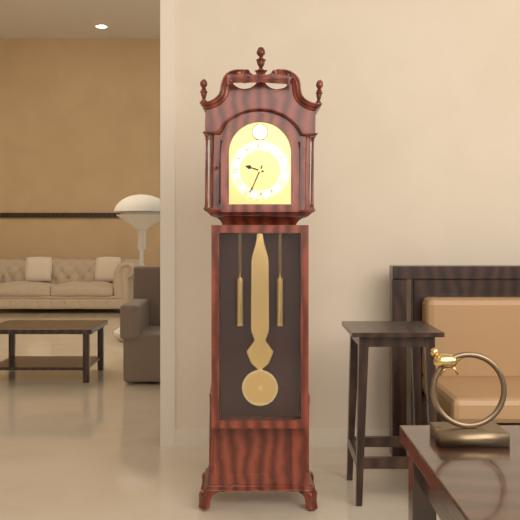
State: 9:34
